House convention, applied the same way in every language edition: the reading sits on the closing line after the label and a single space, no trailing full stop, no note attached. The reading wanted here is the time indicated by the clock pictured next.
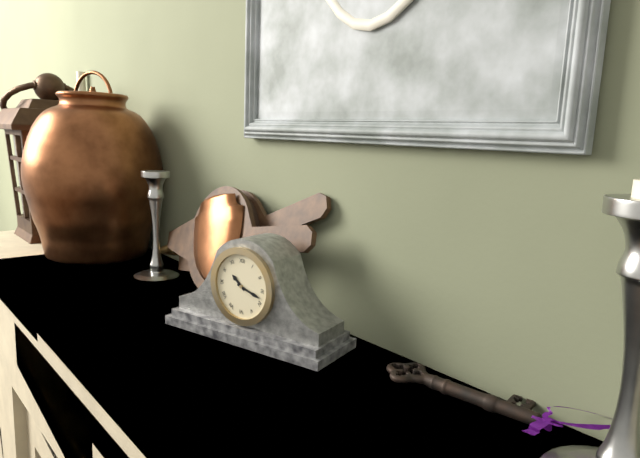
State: 10:18
